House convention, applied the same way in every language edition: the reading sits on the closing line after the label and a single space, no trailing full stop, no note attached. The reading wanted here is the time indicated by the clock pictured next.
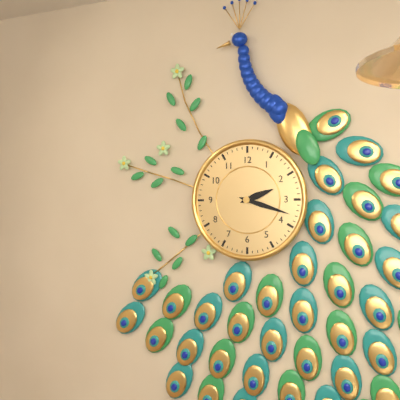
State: 2:18
